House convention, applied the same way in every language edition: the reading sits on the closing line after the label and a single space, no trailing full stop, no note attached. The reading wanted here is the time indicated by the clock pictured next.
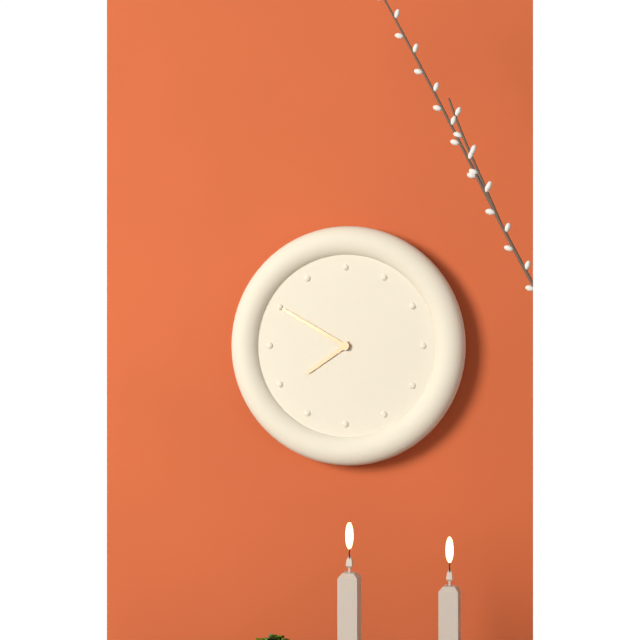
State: 7:50
